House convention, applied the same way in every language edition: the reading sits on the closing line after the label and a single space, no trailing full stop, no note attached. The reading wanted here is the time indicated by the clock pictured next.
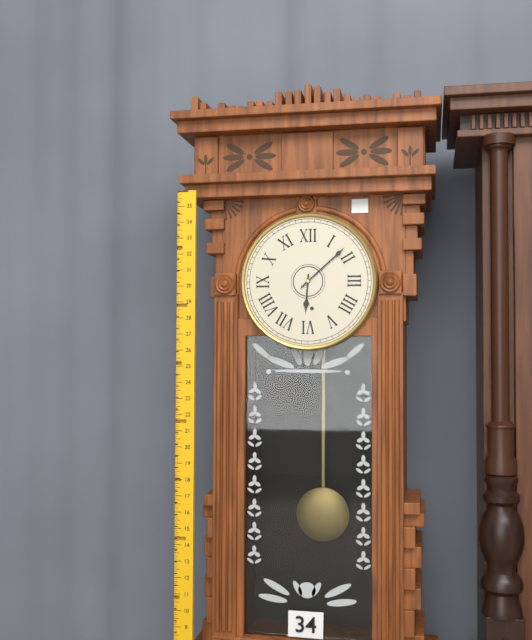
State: 6:08
